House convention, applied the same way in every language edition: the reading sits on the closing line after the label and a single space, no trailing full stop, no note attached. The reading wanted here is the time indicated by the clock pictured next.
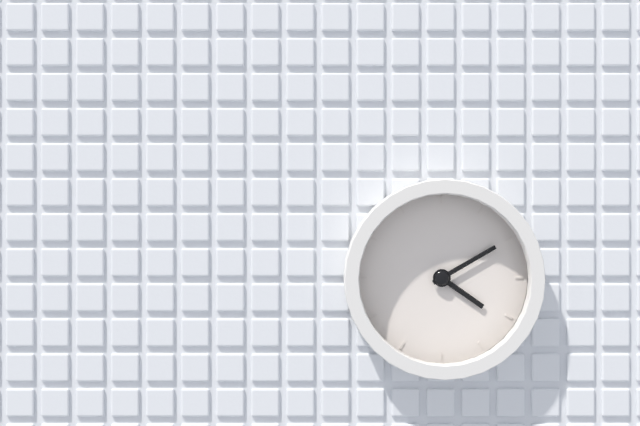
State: 4:10
